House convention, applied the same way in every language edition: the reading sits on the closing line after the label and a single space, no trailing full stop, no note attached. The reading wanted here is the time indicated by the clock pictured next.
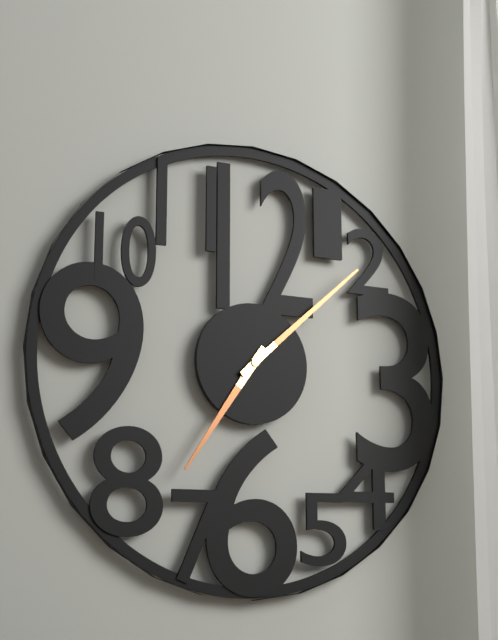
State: 7:08
